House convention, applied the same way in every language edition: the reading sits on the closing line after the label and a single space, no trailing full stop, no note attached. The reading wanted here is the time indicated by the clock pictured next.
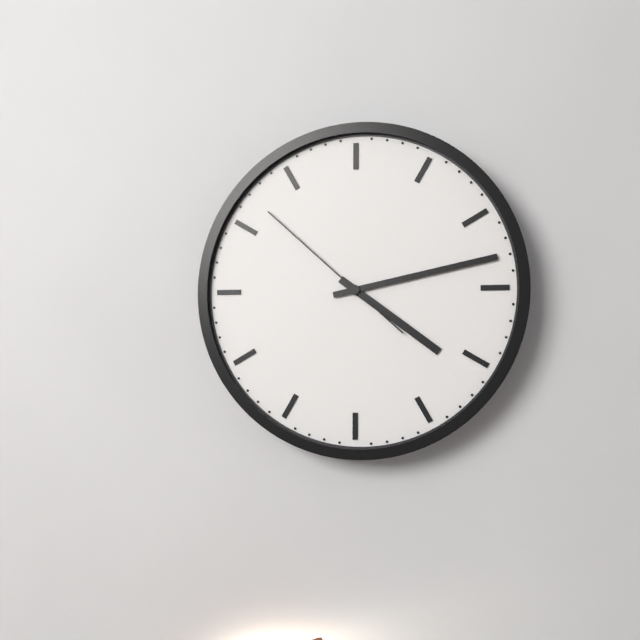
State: 4:13:52
